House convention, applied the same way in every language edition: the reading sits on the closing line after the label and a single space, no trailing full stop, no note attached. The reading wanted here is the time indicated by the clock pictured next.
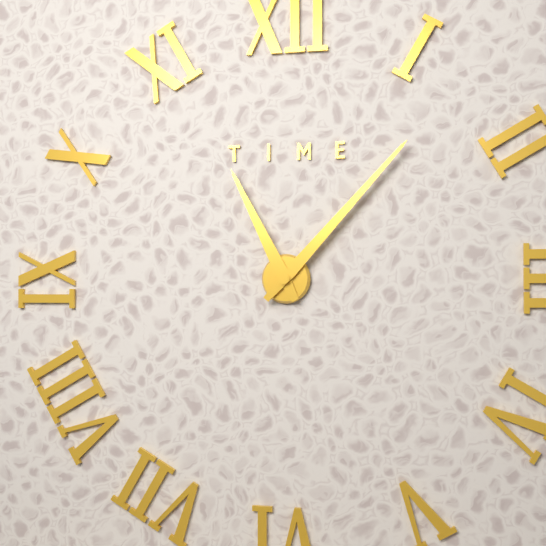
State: 11:07
